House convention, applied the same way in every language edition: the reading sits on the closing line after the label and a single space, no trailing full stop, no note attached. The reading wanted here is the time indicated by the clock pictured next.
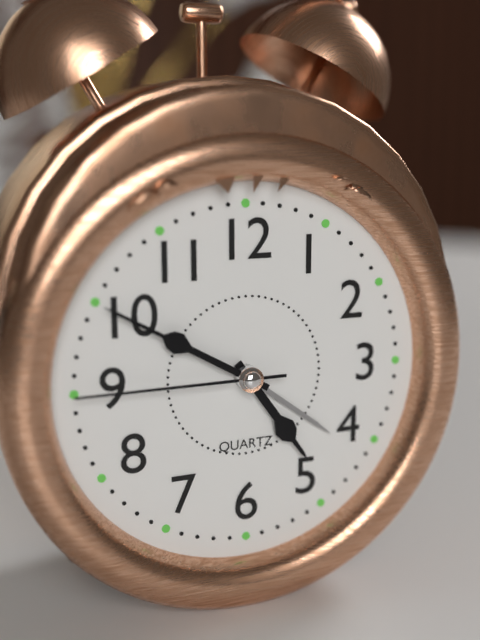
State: 4:50:45
